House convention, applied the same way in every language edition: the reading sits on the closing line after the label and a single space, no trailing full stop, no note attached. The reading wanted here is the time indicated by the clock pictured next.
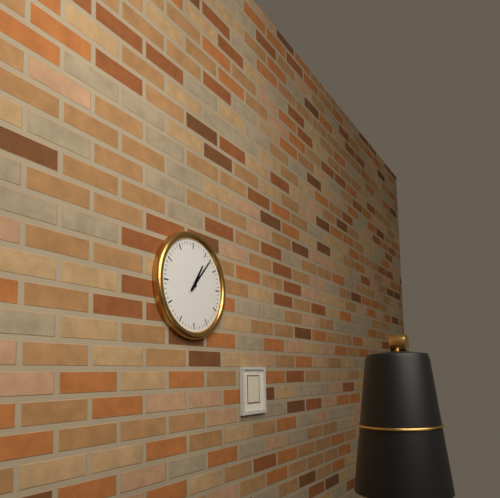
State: 1:07
